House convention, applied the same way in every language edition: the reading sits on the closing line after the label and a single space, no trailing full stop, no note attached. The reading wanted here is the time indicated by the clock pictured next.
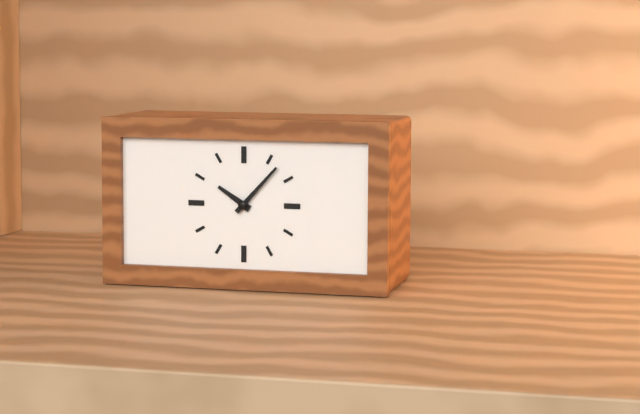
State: 10:07
